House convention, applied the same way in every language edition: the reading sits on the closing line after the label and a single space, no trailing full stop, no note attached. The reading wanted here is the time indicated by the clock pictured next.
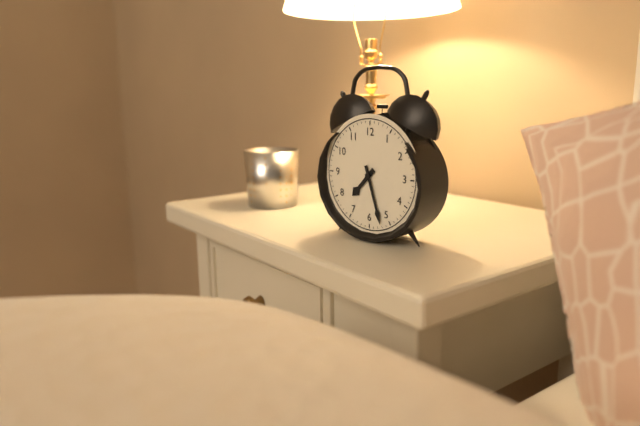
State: 7:27
